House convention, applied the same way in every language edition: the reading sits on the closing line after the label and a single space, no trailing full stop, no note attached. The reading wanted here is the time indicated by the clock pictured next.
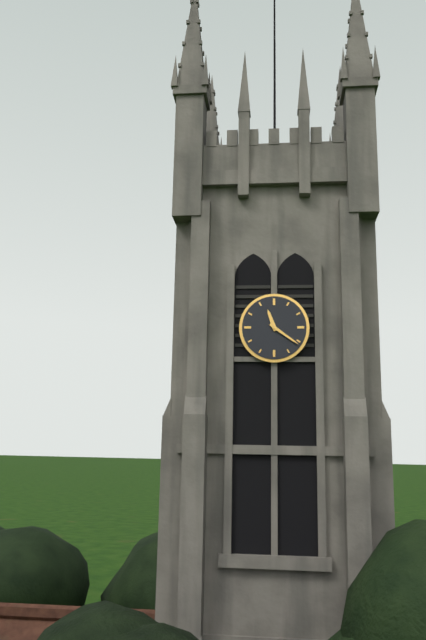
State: 11:21
